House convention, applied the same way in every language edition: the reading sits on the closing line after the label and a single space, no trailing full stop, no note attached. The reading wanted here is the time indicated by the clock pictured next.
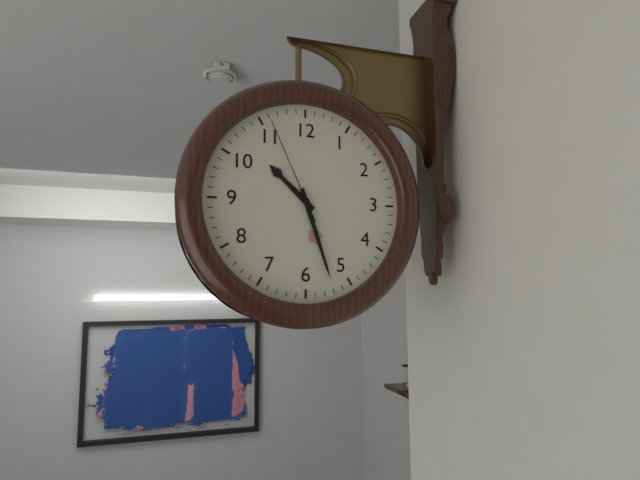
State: 10:27:56
